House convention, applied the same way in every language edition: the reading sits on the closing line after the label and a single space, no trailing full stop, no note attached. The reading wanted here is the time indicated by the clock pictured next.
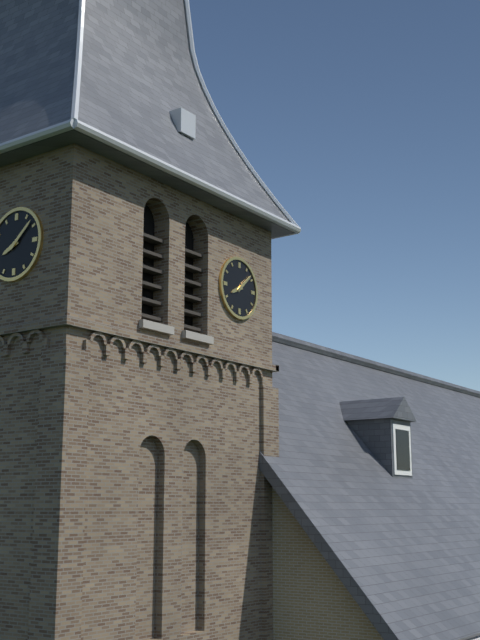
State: 8:08
